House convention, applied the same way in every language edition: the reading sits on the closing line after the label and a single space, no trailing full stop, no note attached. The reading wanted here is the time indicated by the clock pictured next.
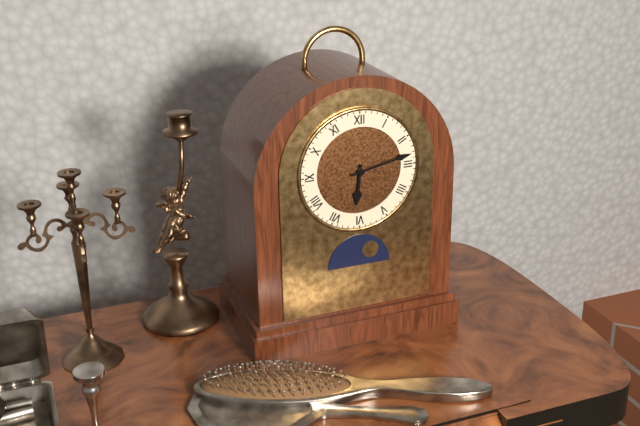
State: 6:13
